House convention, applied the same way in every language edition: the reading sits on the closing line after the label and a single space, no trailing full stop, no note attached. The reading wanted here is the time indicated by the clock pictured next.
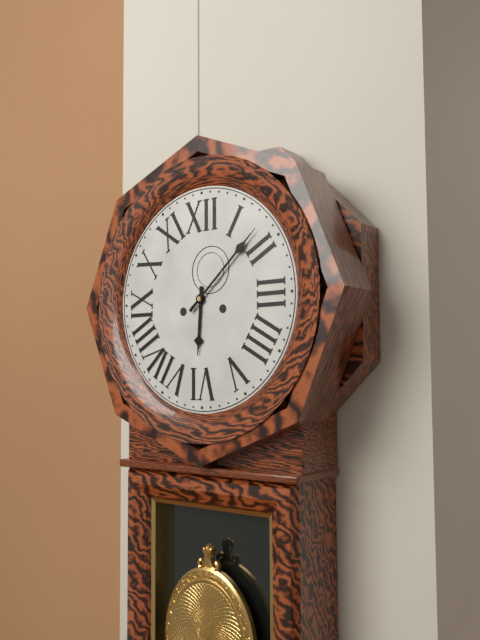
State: 6:08
